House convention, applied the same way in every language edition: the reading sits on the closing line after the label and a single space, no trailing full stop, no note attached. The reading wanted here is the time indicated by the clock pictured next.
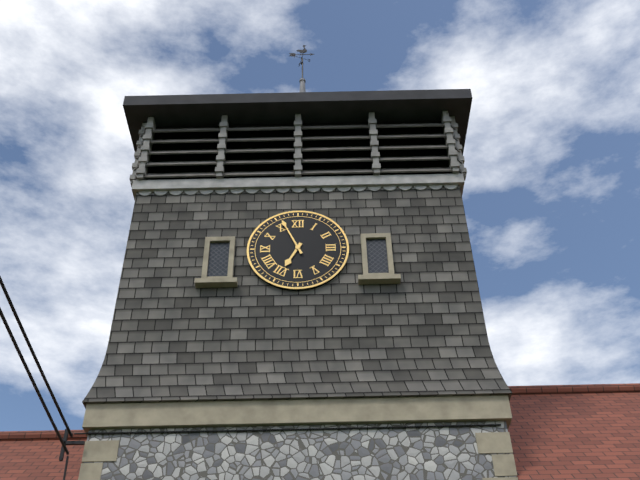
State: 6:56
